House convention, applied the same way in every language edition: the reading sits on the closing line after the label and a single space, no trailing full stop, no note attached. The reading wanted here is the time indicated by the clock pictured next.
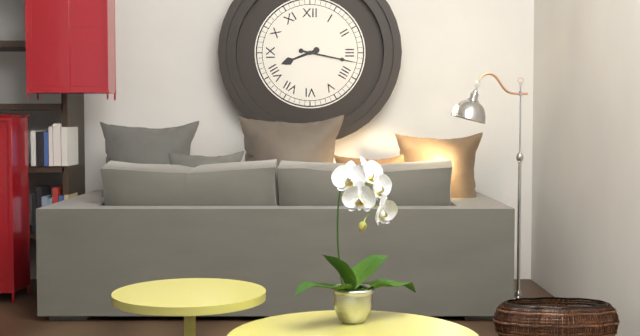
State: 8:17
